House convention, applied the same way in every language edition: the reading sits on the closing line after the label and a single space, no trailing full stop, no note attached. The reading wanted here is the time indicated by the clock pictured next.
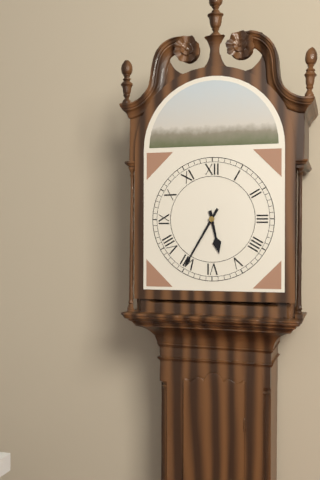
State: 5:35
